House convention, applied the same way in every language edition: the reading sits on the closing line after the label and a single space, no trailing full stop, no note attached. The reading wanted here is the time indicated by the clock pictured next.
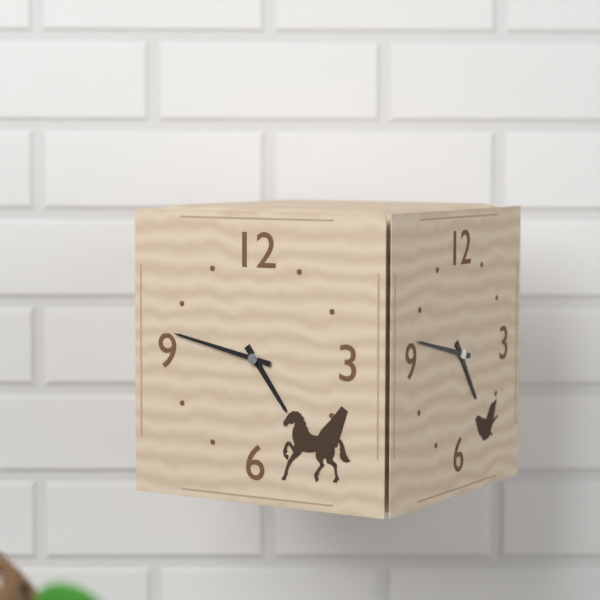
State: 4:47
